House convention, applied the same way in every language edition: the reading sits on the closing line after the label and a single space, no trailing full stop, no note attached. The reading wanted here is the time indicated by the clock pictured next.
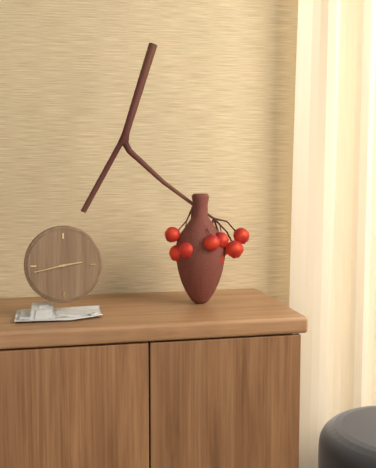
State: 2:43
